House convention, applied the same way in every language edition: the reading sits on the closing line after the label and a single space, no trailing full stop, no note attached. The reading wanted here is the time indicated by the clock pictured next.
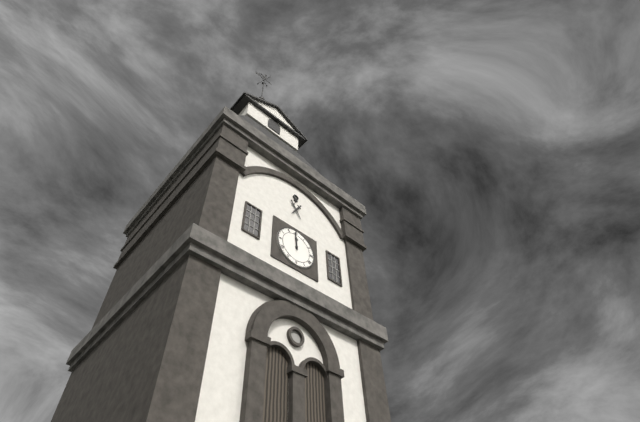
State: 11:59
